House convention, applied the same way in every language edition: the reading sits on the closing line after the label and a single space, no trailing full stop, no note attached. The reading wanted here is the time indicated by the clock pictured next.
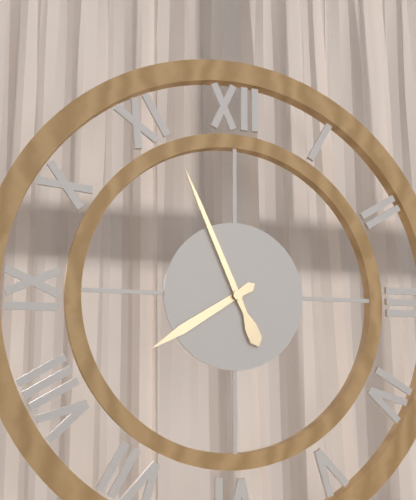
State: 7:56
